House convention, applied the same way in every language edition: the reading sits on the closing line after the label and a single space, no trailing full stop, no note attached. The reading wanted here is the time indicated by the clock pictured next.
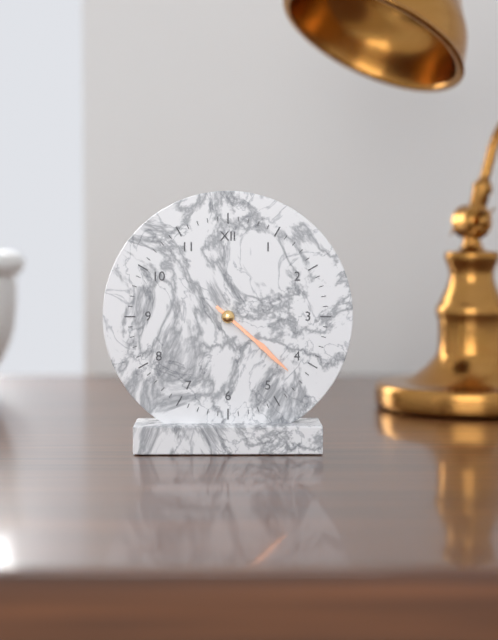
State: 4:22
